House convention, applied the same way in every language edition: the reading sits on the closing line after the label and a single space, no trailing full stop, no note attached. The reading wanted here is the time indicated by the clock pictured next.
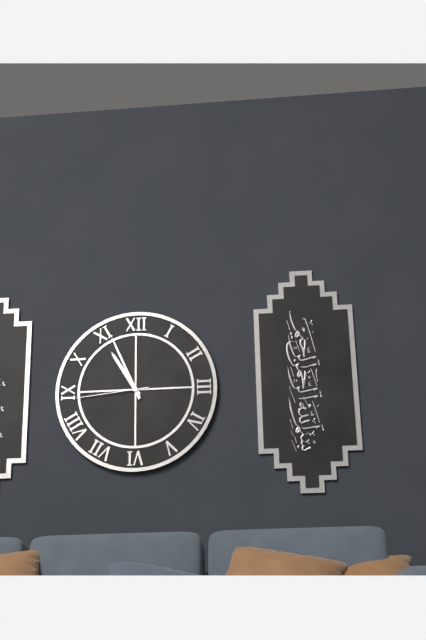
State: 10:56:44
